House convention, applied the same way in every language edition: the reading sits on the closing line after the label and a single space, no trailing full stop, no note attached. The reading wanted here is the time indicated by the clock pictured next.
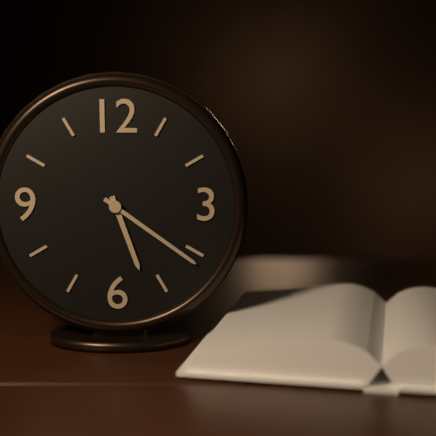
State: 5:21
